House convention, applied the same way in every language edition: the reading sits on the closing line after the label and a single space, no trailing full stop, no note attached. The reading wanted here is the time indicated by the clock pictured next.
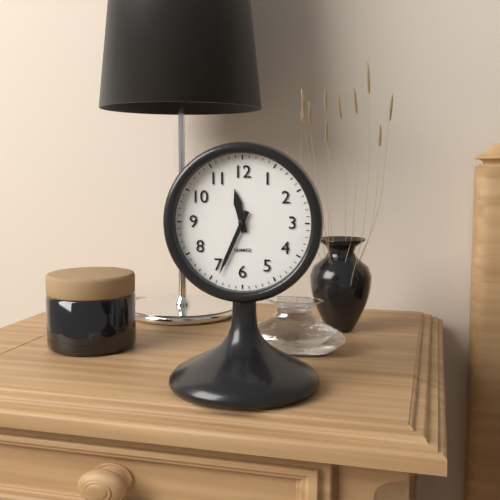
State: 11:34
